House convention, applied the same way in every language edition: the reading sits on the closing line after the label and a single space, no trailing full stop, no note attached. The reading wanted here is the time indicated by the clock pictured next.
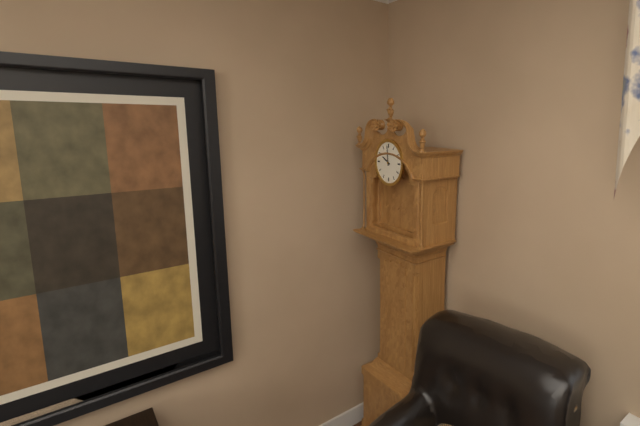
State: 9:59
